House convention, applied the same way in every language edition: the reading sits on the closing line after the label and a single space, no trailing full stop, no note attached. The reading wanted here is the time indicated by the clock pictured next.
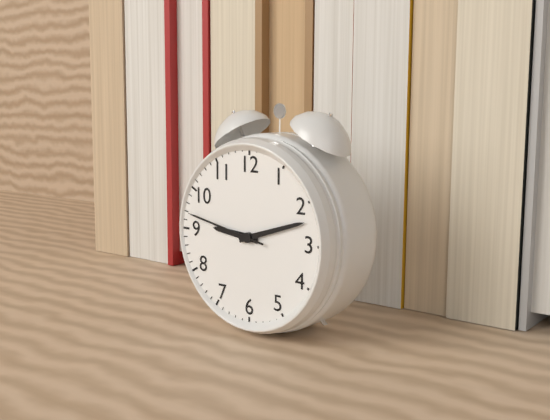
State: 9:12:47
